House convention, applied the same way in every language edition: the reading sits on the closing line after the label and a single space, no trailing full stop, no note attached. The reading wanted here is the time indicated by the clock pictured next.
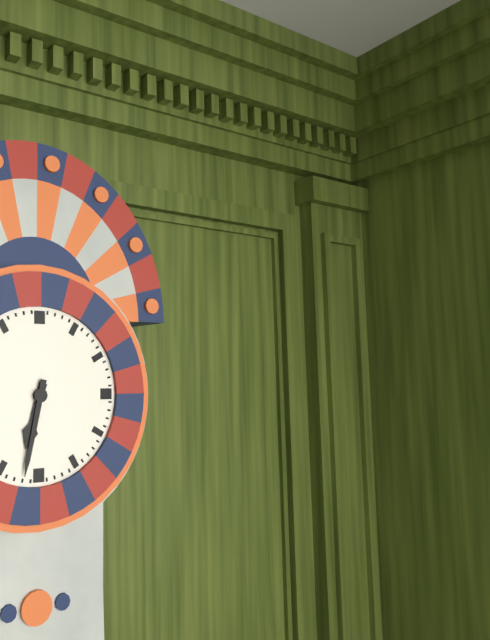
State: 6:32
